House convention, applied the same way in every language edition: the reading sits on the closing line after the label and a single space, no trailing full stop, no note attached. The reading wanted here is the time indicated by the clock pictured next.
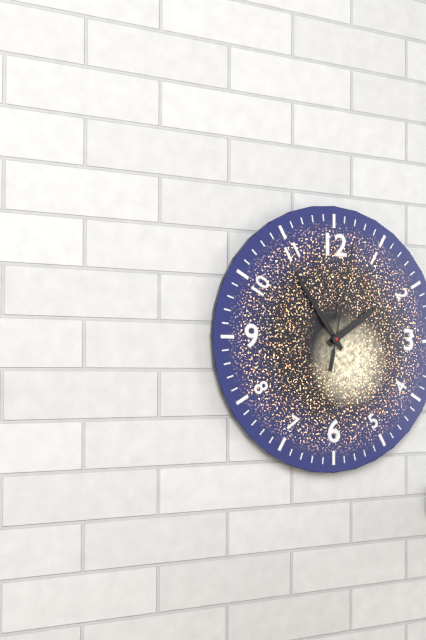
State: 1:54:02
